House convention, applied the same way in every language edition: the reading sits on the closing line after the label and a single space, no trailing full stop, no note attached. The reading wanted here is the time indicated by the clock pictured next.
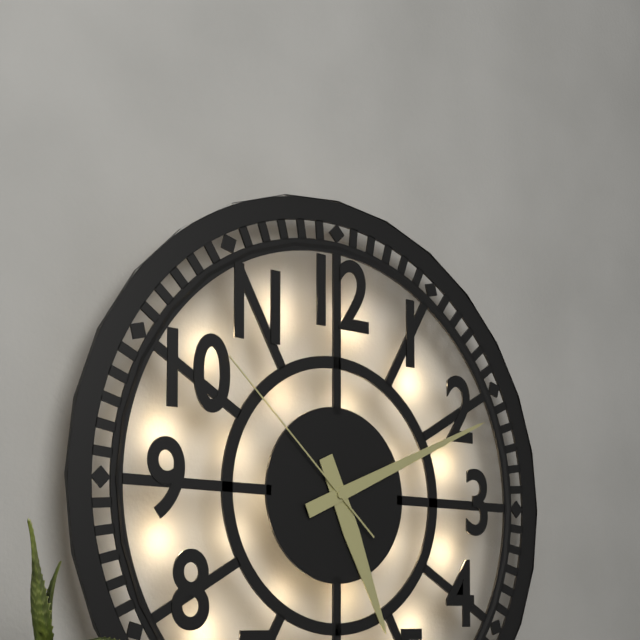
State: 5:11:52
